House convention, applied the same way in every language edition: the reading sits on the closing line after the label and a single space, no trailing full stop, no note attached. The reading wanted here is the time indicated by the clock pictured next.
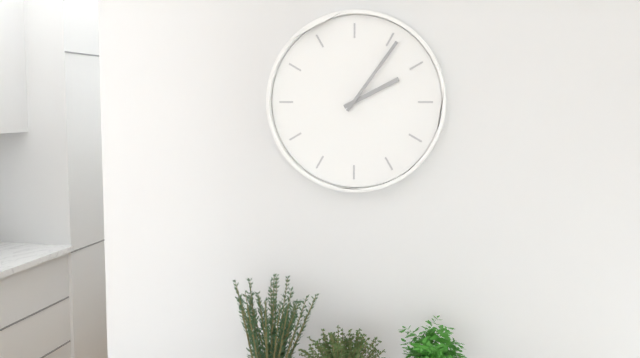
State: 2:06
